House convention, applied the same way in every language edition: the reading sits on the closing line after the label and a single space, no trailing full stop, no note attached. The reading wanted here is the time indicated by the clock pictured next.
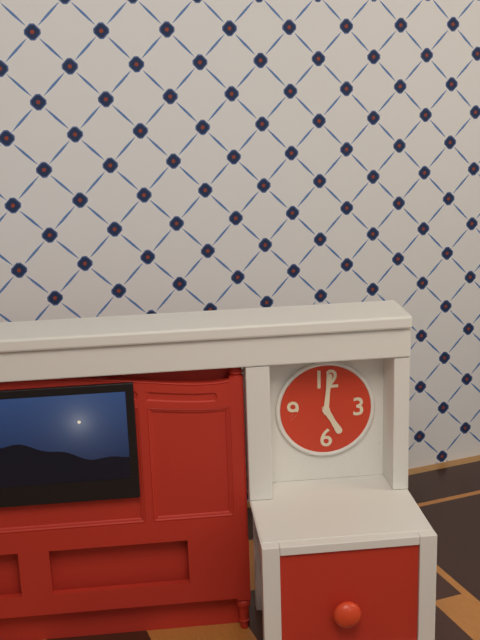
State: 5:01
